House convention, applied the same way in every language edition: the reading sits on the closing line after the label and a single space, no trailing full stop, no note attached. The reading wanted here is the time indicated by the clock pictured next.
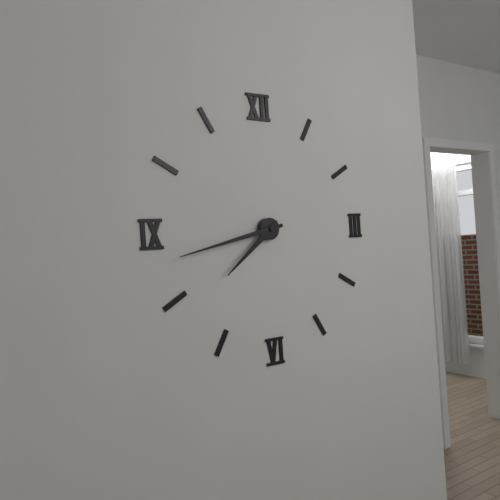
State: 7:43
